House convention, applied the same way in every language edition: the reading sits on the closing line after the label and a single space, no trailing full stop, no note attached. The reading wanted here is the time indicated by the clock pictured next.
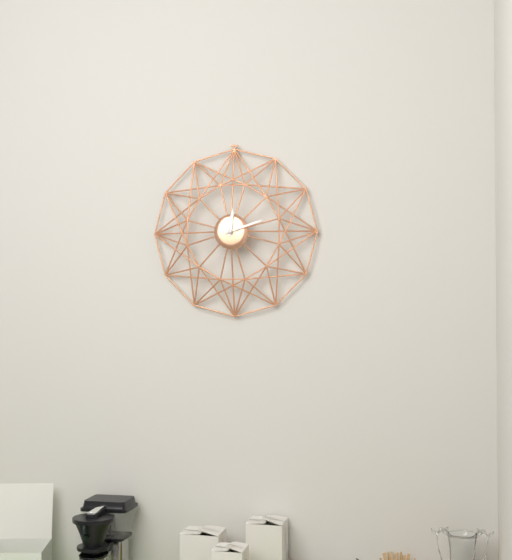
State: 12:12
